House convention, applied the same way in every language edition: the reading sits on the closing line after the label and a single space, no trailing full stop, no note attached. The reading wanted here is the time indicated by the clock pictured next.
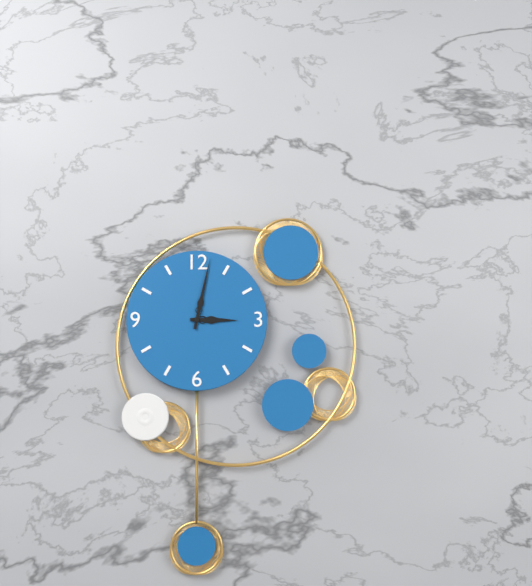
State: 3:02
